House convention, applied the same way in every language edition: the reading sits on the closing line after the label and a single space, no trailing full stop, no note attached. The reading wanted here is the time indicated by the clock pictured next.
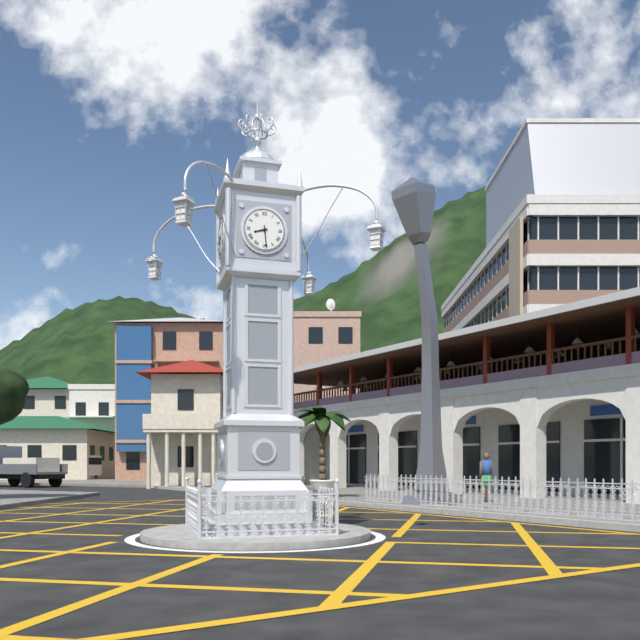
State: 8:29
